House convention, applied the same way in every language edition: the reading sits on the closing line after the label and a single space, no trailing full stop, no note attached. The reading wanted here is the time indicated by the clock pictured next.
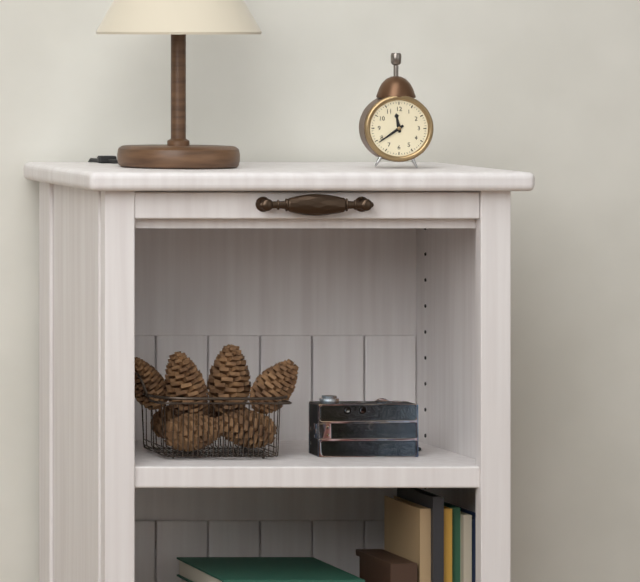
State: 11:39
